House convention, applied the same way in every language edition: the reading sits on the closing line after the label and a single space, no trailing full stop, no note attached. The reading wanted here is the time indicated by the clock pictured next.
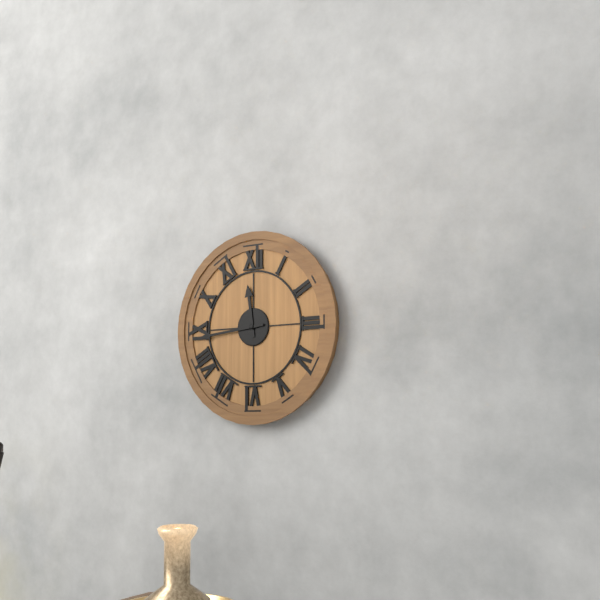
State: 11:44
